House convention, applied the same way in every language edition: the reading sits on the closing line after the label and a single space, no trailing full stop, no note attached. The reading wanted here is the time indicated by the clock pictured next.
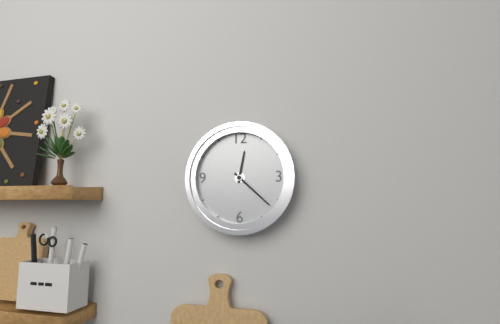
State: 12:22
